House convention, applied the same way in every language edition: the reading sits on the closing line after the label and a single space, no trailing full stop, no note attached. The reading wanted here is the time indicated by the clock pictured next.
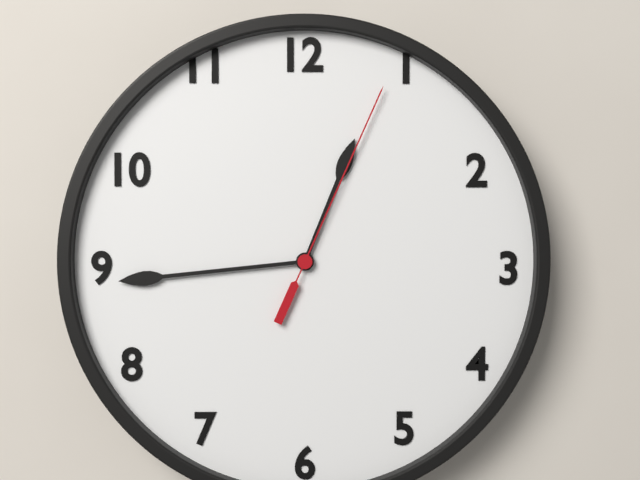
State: 12:44:04
